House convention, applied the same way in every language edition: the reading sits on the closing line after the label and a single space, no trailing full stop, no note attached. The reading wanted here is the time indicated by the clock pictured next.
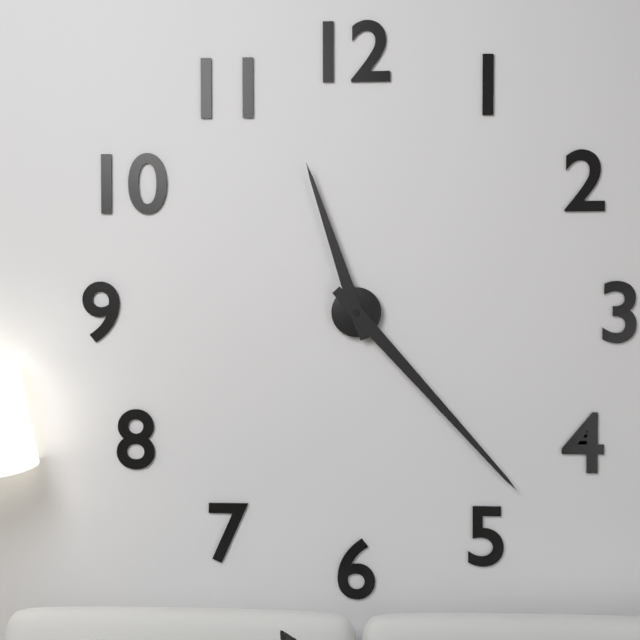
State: 11:23
